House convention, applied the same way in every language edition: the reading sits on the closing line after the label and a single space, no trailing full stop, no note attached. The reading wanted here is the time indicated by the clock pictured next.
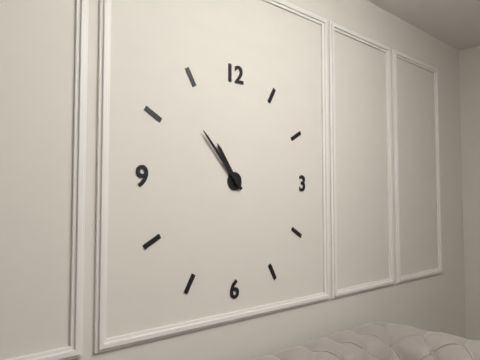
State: 10:53
